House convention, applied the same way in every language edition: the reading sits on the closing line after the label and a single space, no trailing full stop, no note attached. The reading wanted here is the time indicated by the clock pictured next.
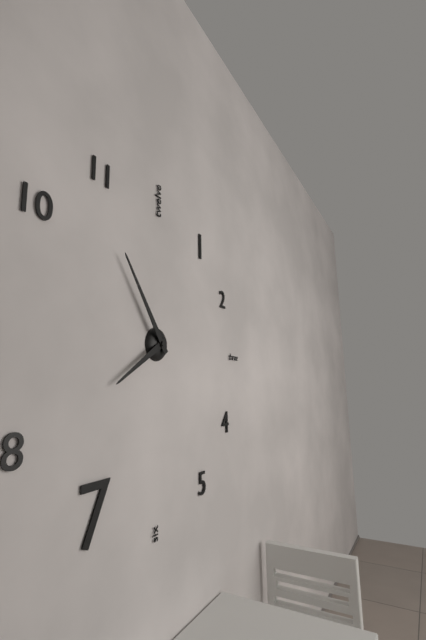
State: 7:54
